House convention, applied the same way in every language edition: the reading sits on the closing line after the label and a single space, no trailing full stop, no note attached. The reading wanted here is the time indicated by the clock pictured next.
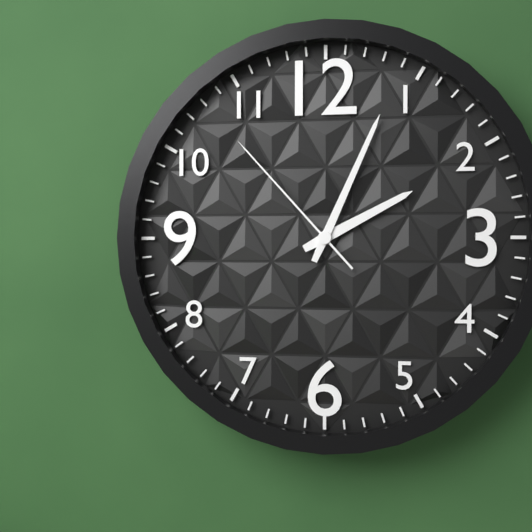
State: 2:04:53
